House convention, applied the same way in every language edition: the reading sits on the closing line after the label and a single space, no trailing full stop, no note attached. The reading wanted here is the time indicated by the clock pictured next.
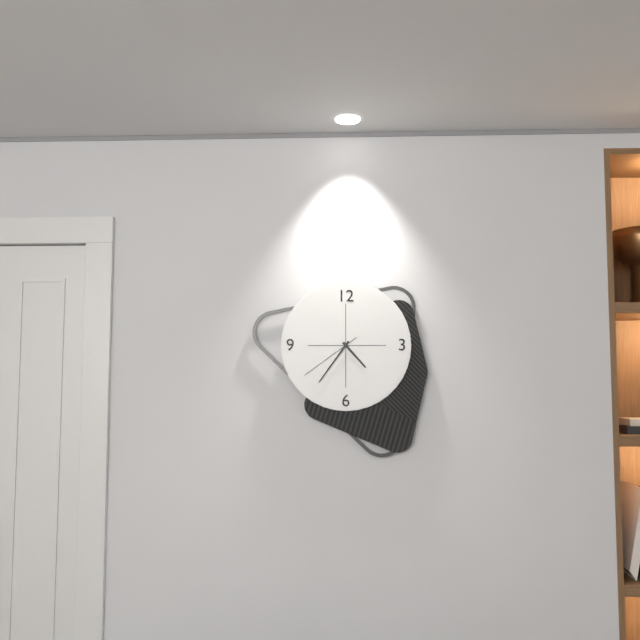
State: 4:36:39
